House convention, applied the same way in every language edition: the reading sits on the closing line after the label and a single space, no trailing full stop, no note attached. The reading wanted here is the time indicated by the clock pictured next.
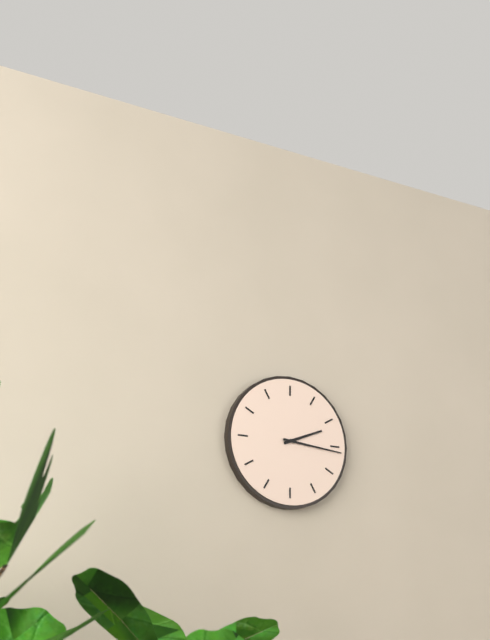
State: 2:16
